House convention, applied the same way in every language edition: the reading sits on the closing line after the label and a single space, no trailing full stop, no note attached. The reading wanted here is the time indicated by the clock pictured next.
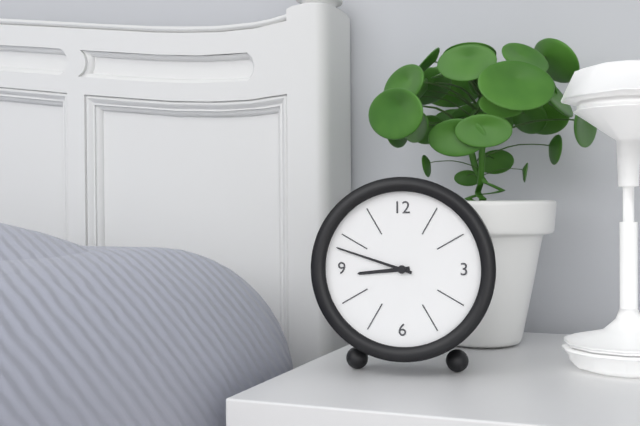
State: 8:48
